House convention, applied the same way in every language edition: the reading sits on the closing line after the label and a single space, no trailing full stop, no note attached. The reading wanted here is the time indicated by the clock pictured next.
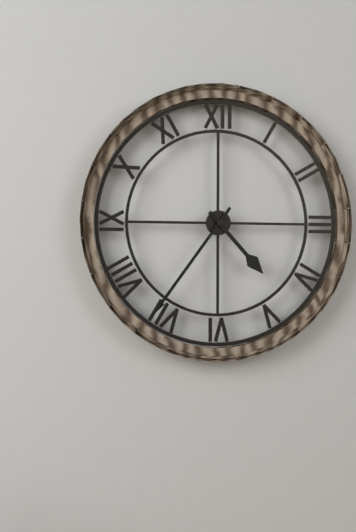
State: 4:36
